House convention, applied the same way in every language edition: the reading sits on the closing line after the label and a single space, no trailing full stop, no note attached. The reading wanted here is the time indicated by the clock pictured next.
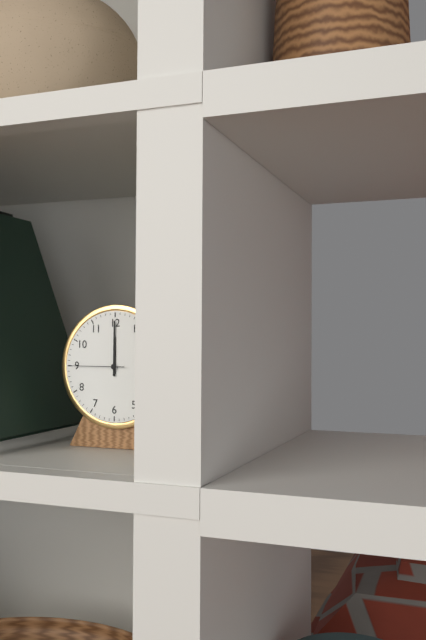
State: 12:00:45
